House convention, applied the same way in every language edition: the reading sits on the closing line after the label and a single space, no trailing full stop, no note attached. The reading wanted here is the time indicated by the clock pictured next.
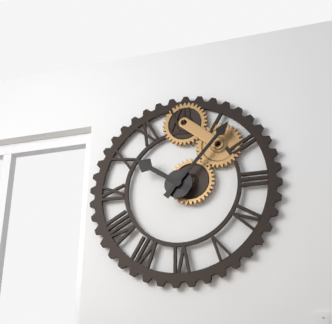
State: 10:07
